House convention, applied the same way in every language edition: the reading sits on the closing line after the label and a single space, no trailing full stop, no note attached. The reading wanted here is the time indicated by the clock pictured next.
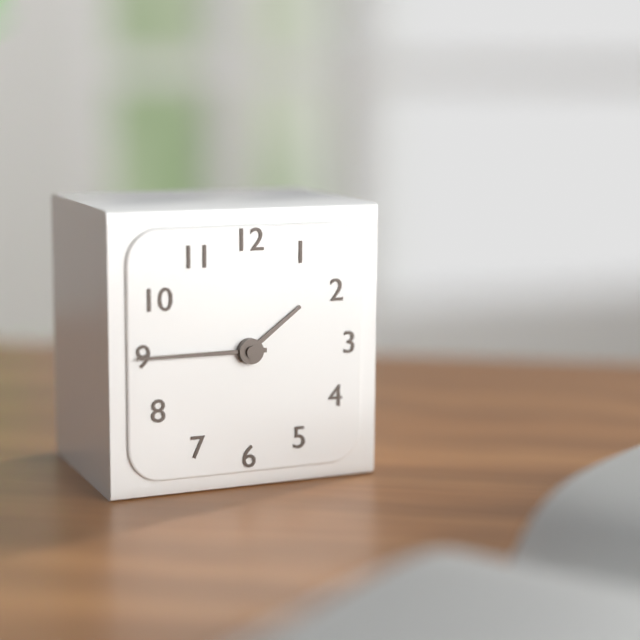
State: 1:45
